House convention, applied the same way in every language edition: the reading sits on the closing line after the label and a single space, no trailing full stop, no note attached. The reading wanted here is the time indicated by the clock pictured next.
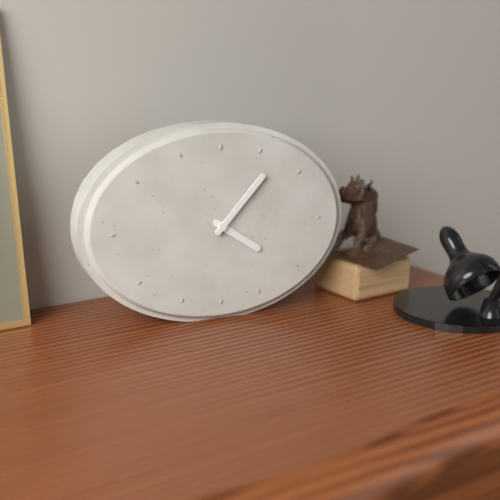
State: 4:07
